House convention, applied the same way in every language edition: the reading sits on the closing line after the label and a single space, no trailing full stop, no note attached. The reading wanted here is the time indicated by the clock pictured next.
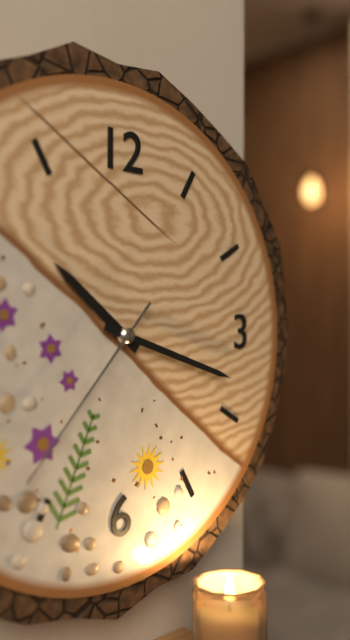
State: 10:18:37
